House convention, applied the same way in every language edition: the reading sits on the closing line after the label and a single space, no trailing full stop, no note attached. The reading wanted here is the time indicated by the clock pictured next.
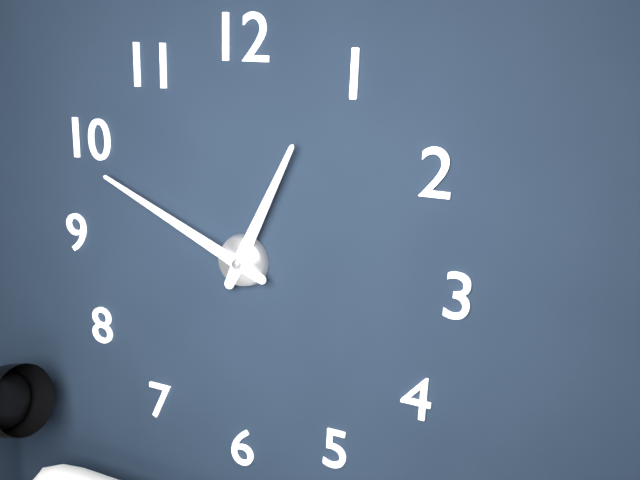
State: 12:49
